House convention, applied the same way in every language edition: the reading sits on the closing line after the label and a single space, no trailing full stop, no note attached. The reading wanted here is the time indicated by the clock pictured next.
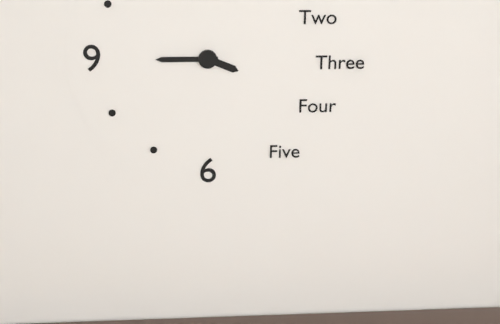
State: 3:45
